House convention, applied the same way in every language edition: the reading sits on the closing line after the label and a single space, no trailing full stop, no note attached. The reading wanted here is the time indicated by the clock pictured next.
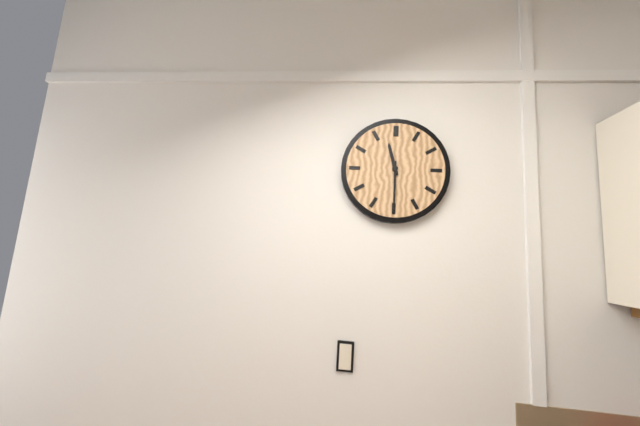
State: 11:30
